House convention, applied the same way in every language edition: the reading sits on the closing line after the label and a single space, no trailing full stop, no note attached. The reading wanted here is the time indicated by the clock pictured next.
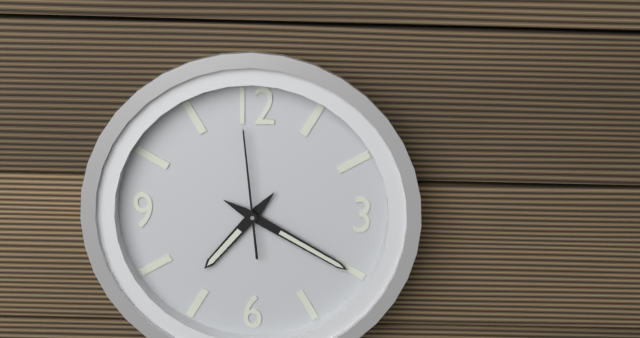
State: 7:20:59
